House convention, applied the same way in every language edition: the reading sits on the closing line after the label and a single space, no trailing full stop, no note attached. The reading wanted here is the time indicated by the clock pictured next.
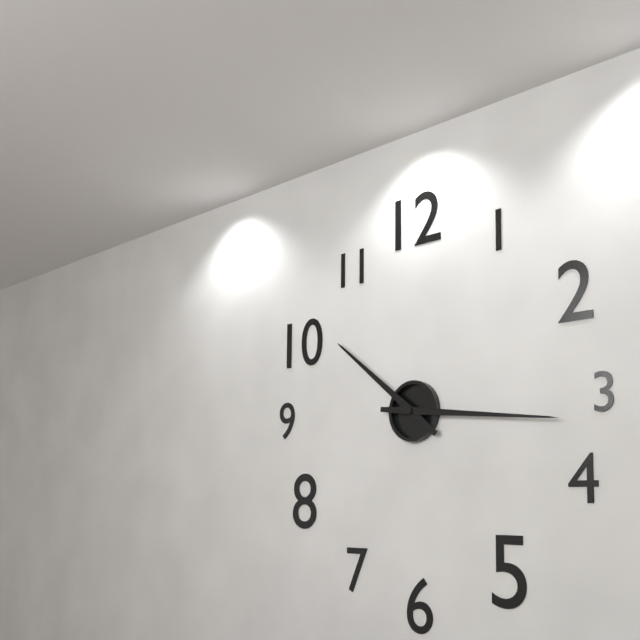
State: 10:16
